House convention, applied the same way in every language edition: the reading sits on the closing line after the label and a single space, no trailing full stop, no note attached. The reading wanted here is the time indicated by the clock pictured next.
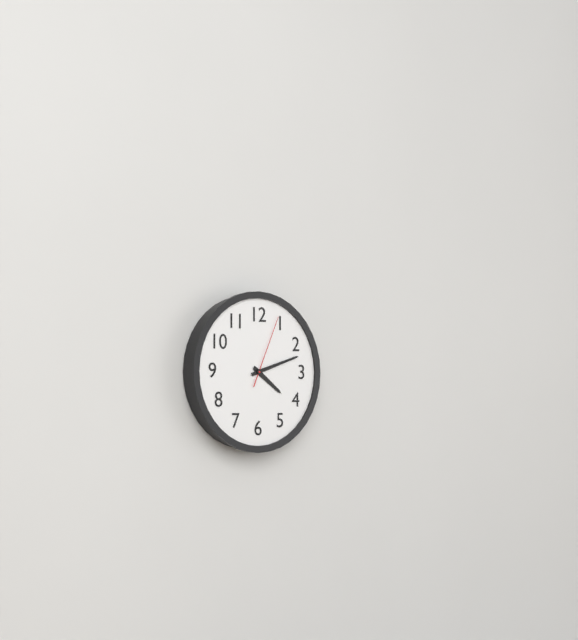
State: 4:12:04
